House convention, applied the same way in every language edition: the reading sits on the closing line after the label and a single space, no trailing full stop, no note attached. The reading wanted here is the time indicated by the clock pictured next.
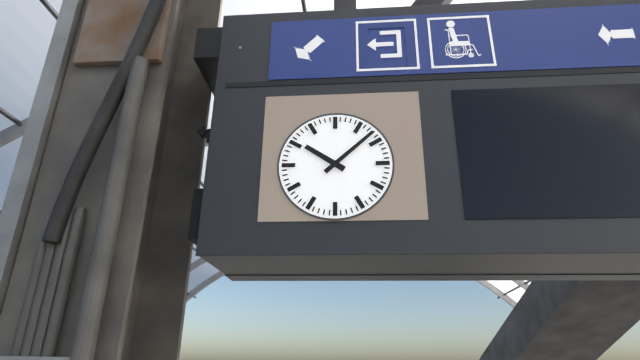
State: 10:08
